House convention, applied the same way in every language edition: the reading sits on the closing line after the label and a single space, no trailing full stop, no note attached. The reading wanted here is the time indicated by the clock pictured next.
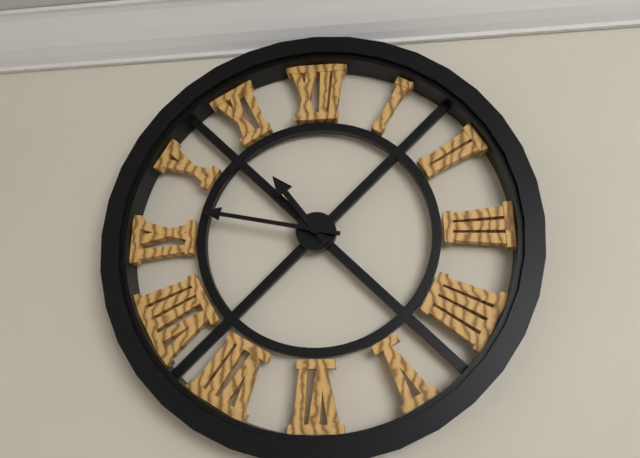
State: 10:47
